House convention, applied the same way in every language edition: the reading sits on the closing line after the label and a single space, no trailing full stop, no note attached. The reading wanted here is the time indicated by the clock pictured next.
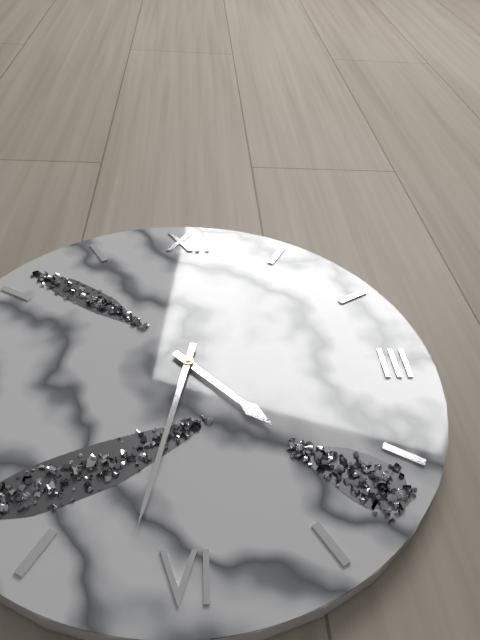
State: 4:32
